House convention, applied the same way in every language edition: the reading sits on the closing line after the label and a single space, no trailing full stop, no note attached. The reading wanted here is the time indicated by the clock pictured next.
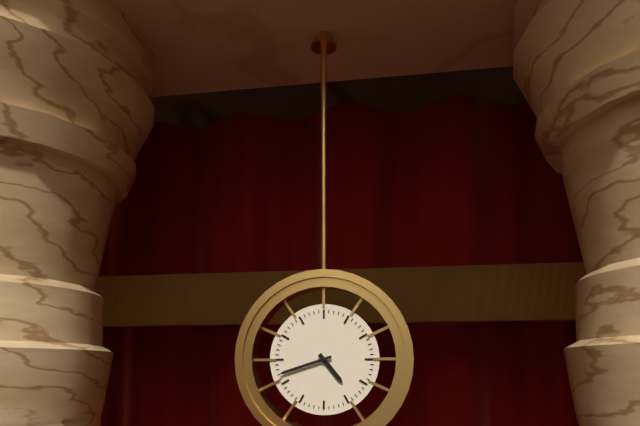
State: 4:42
